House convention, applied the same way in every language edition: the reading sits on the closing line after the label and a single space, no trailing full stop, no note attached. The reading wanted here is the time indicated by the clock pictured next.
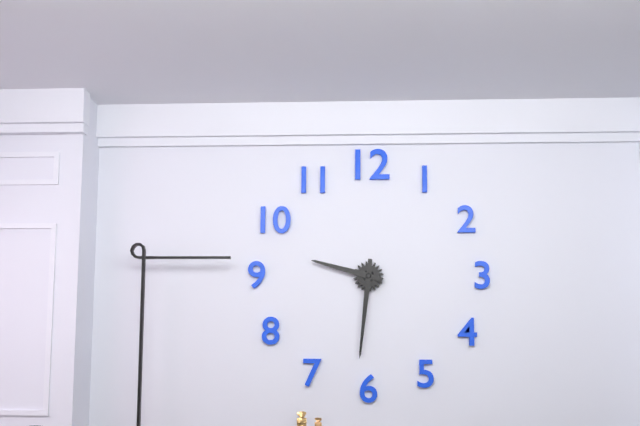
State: 9:31
